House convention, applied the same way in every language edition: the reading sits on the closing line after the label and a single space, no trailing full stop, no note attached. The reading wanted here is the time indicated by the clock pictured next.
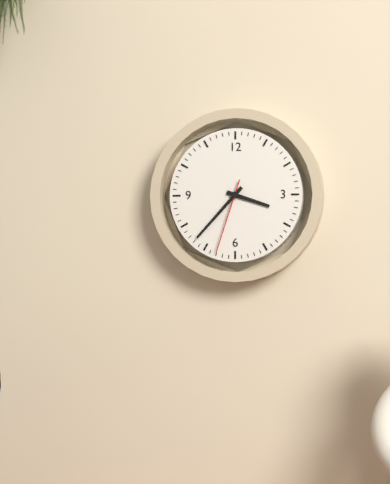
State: 3:37:33
